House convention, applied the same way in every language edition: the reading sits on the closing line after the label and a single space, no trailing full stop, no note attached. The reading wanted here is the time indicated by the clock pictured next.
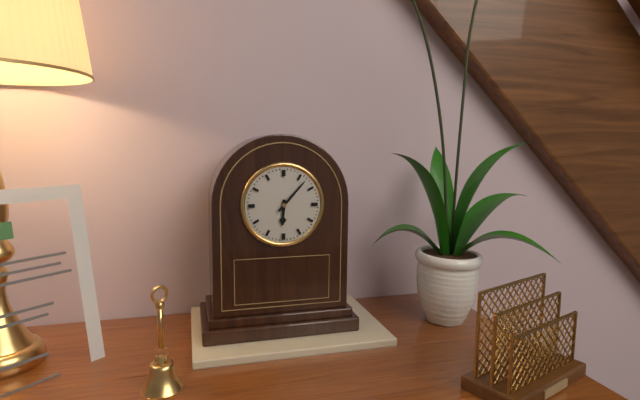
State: 6:07
